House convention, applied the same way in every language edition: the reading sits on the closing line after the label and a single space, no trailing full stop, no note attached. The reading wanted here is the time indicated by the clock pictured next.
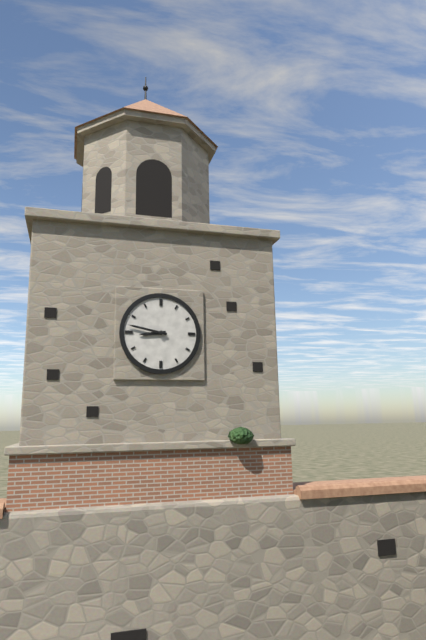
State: 8:47
